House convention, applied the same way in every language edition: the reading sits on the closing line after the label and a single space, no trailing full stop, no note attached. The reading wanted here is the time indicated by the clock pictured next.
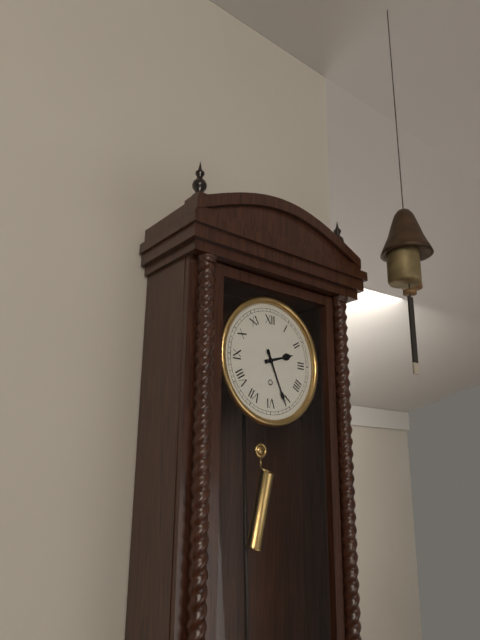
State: 2:26
